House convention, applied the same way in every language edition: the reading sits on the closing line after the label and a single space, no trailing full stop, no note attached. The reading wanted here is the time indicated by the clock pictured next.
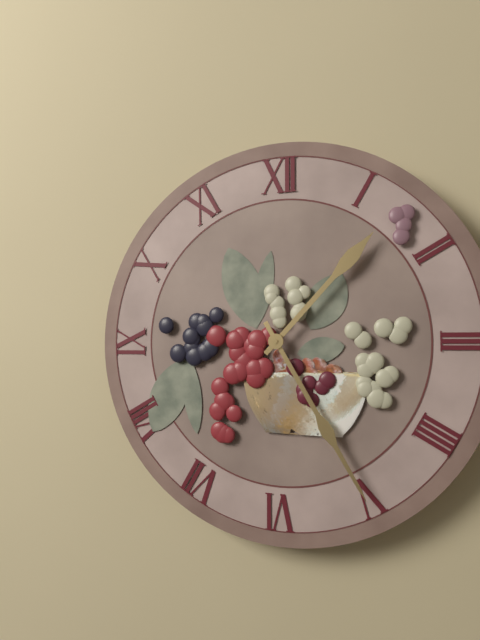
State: 1:25
